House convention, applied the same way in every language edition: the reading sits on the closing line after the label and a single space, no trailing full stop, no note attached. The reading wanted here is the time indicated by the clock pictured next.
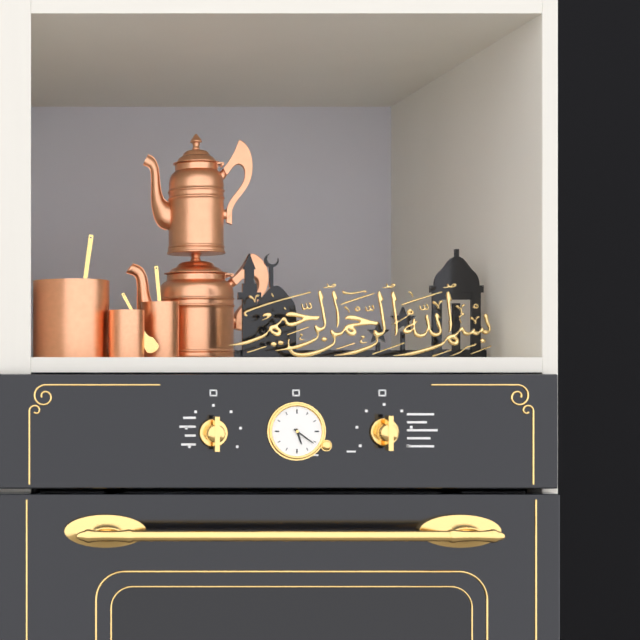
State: 5:21
